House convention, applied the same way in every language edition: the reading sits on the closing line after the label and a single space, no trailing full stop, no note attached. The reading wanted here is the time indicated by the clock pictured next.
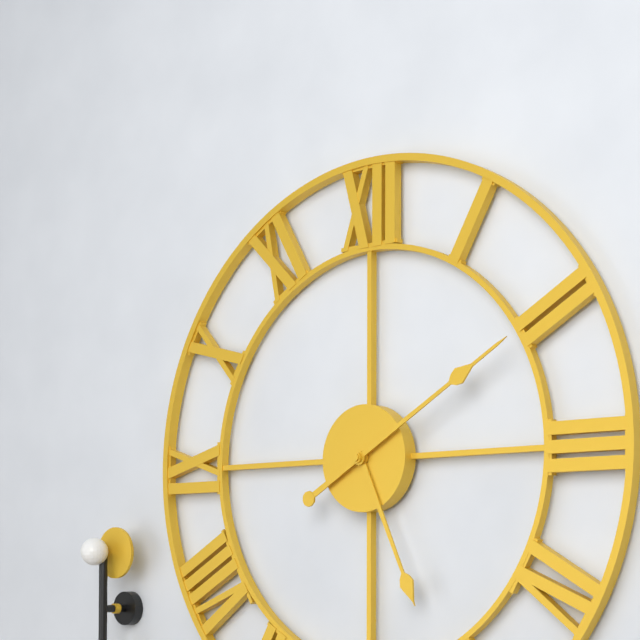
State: 5:10
